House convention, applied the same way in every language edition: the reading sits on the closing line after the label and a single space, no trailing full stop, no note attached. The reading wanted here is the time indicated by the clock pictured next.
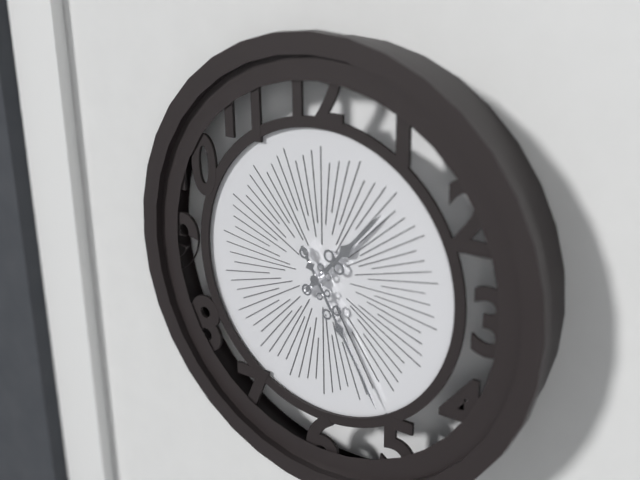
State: 1:25
